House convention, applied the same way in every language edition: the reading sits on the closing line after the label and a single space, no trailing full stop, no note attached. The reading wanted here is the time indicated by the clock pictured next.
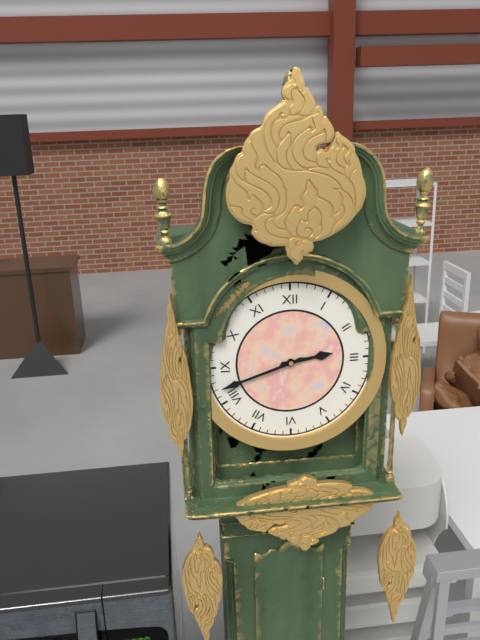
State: 2:42
